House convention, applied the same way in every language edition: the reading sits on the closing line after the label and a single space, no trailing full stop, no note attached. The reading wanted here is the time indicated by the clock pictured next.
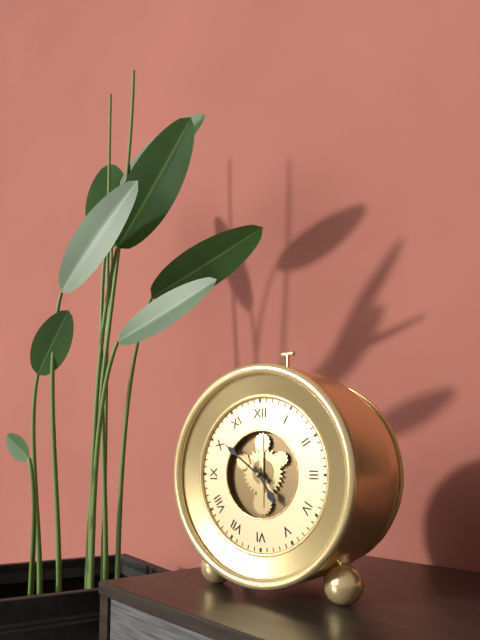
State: 4:51
